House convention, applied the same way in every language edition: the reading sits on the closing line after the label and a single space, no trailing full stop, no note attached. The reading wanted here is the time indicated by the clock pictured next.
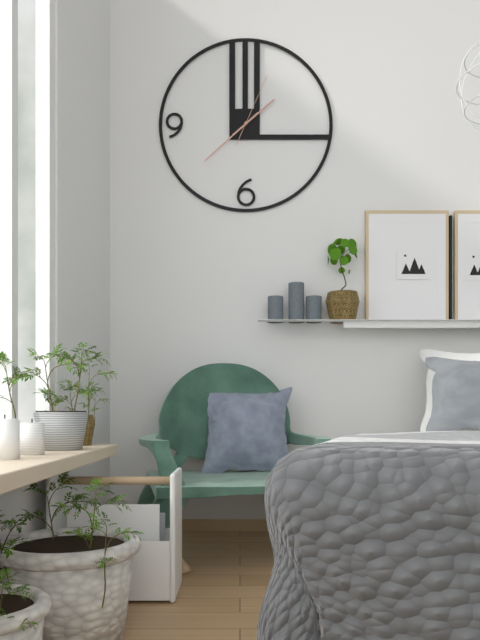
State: 1:38:04
